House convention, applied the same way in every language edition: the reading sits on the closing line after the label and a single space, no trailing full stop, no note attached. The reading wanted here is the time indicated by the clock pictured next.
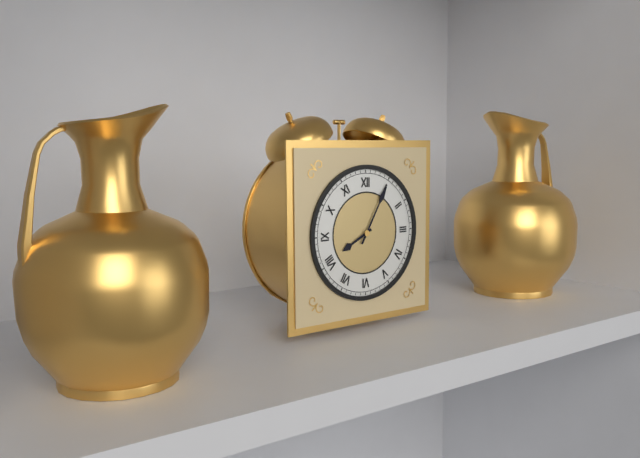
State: 8:05
